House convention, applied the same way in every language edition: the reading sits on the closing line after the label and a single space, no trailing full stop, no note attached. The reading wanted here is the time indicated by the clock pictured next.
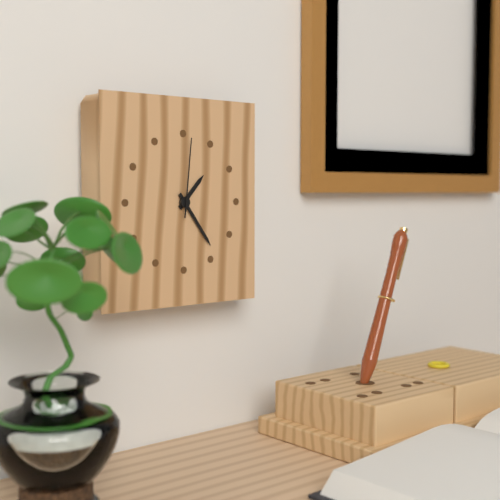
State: 1:24:01
